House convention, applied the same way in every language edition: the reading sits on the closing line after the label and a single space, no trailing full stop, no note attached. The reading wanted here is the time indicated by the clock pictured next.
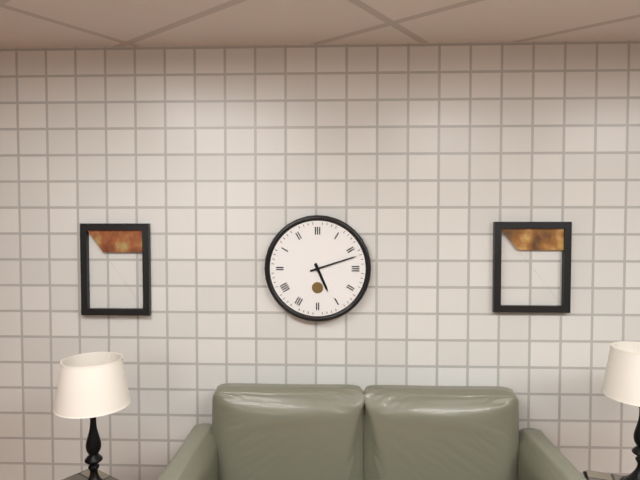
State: 5:12
